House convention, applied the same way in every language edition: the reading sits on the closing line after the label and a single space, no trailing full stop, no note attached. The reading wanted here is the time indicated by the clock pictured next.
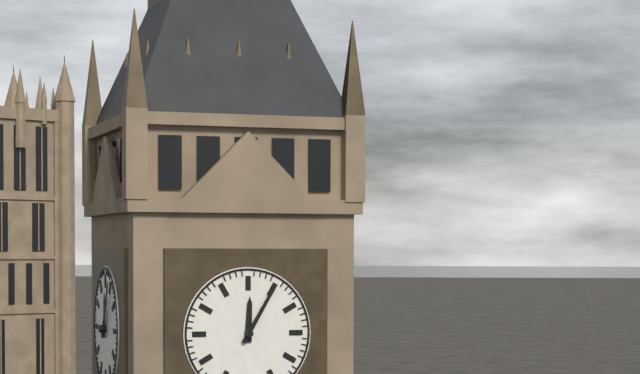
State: 12:05
